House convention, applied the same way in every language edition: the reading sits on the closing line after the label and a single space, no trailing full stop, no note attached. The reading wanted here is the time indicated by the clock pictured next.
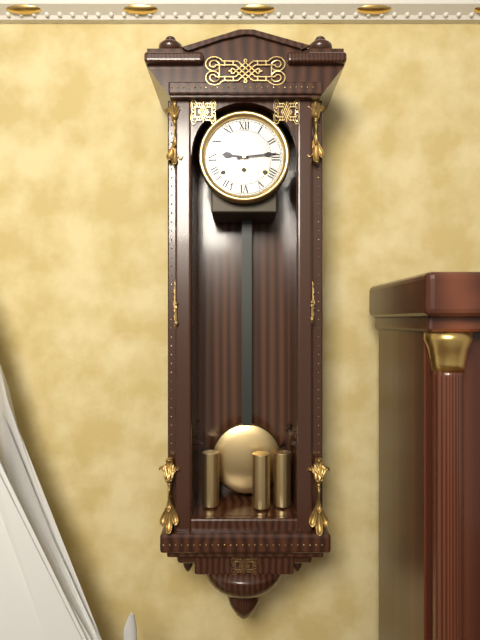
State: 9:14
